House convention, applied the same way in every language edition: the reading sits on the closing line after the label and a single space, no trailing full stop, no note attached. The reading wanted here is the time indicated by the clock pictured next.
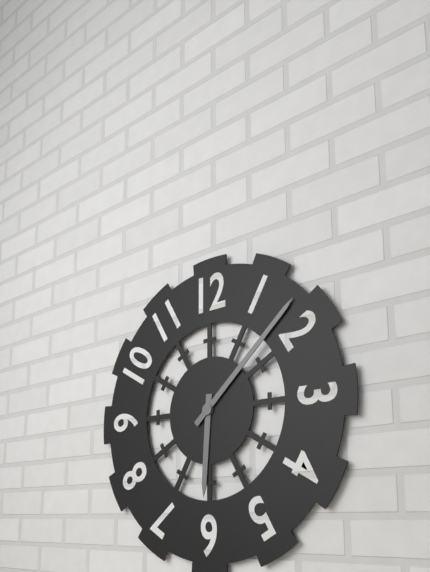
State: 6:08
